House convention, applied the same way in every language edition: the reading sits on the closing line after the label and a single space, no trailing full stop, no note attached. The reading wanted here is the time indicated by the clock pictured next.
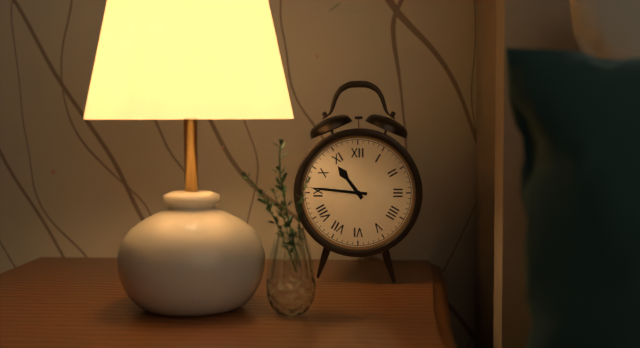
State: 10:46
